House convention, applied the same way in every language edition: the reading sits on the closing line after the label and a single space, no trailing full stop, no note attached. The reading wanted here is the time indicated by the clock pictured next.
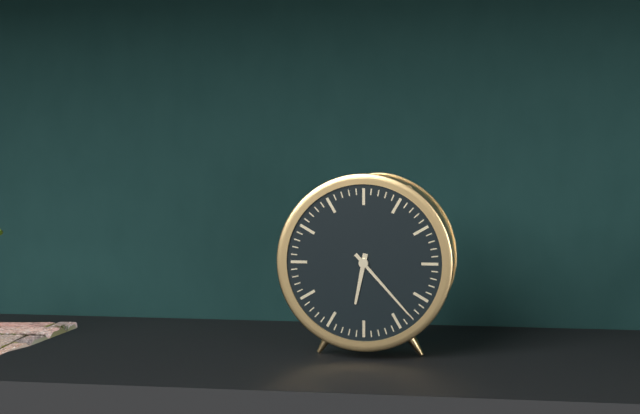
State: 6:23
